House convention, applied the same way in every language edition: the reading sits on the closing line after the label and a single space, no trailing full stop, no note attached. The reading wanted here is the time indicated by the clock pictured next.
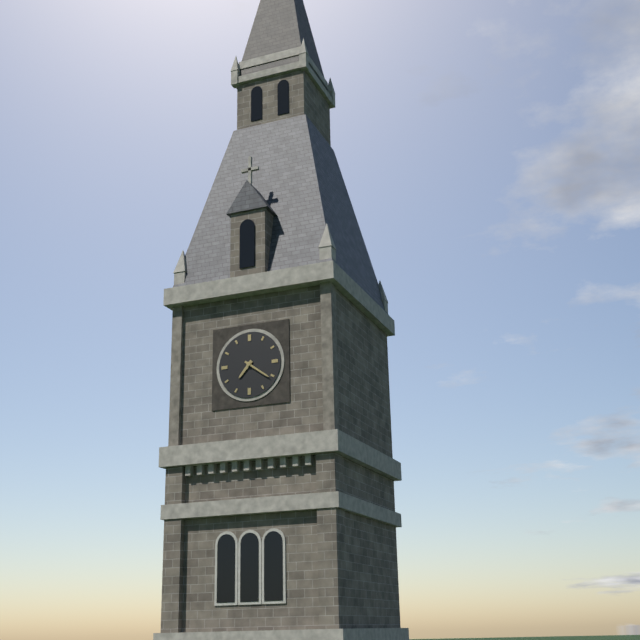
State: 7:21
